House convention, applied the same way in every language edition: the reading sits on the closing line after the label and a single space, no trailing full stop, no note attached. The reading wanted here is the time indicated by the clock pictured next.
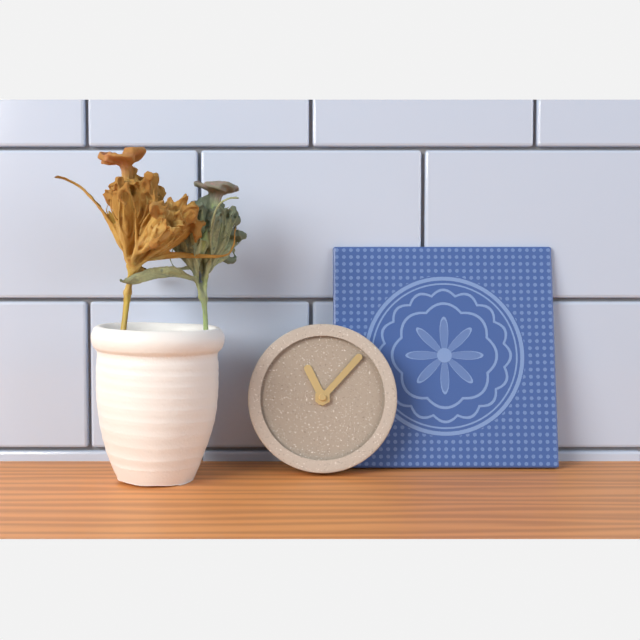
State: 11:07
